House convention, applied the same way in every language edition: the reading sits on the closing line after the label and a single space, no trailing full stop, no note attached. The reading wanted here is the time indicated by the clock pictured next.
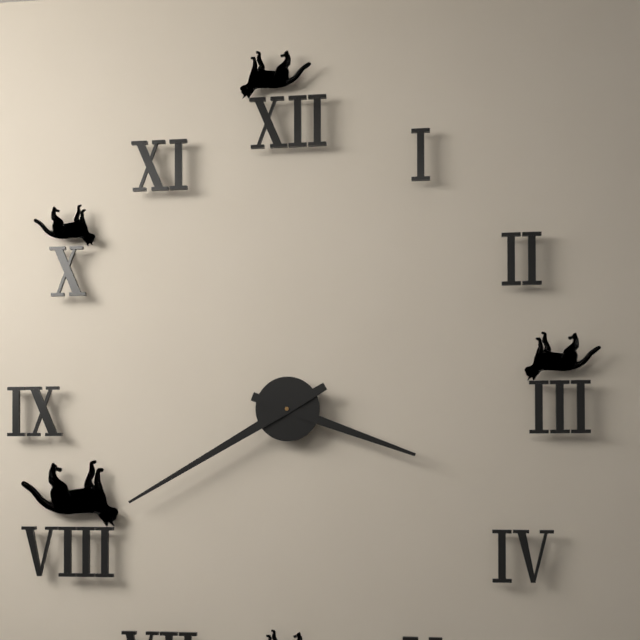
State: 3:40
